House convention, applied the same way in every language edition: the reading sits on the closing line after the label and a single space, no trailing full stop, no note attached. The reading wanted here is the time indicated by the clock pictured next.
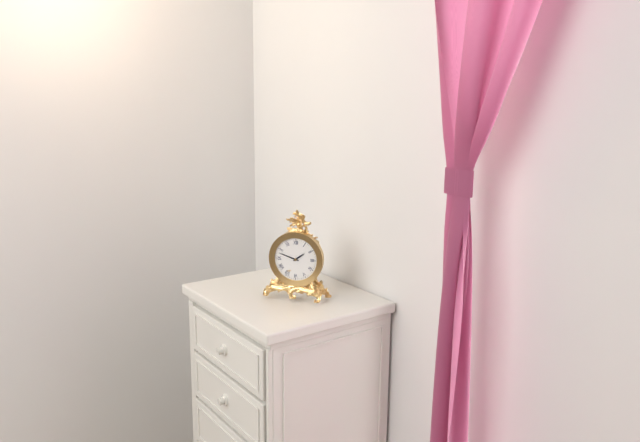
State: 1:48
